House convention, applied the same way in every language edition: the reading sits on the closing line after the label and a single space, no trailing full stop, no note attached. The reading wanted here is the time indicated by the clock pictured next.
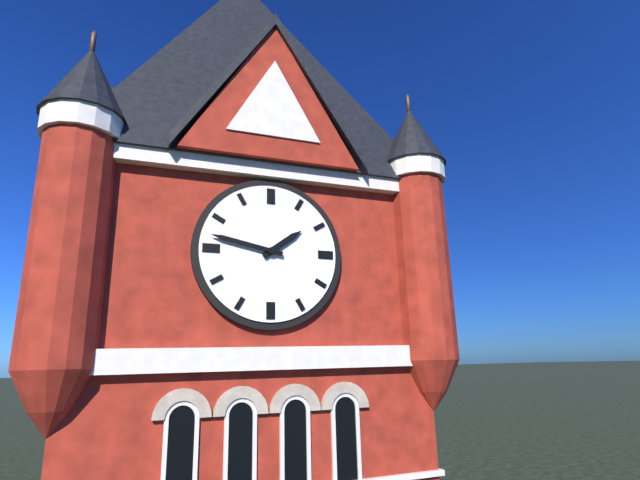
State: 1:47
